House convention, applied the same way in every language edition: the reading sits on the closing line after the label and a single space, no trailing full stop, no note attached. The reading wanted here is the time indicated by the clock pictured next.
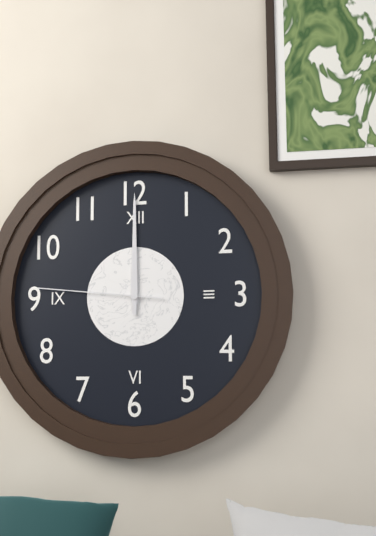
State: 12:00:46
